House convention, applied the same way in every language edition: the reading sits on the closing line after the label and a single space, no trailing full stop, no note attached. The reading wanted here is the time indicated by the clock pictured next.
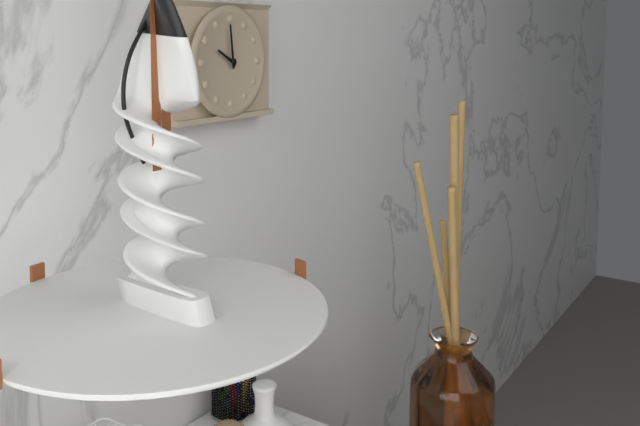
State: 9:59
